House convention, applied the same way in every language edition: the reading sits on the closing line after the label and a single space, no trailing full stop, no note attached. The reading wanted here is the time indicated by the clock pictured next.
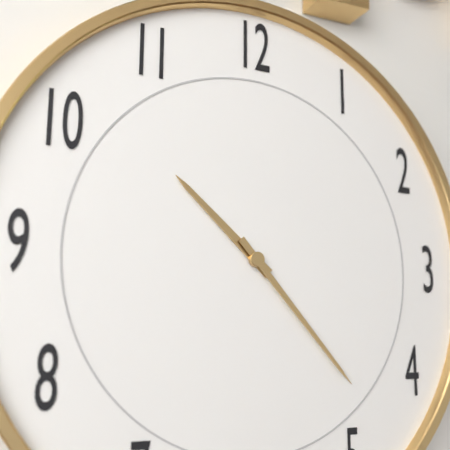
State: 10:23
